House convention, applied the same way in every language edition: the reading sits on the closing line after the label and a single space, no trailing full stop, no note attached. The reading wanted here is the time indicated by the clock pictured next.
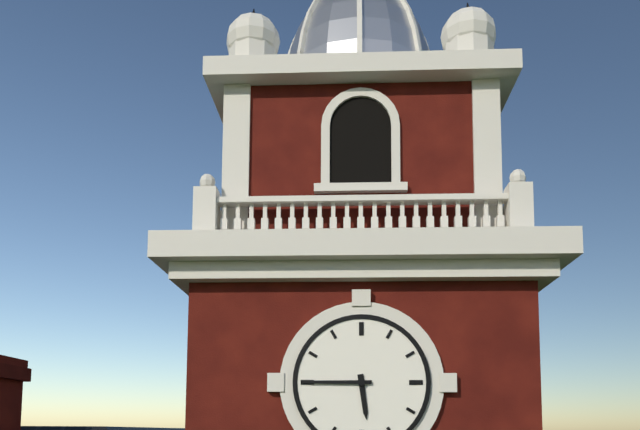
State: 5:45
